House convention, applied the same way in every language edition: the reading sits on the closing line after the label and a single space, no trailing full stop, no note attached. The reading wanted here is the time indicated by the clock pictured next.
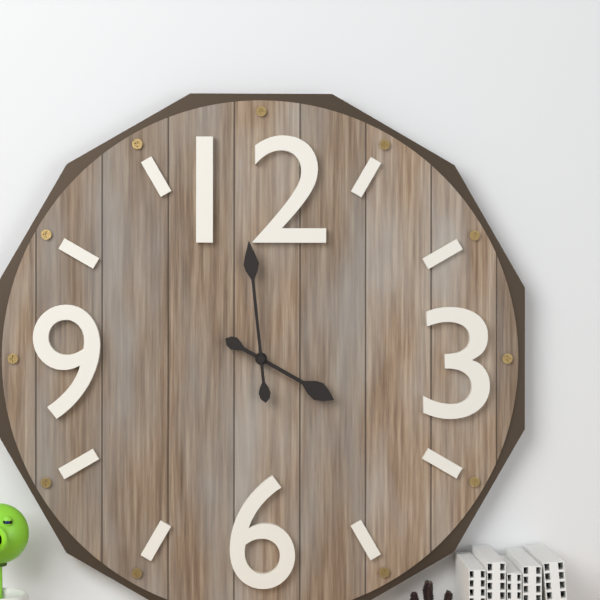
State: 3:59
